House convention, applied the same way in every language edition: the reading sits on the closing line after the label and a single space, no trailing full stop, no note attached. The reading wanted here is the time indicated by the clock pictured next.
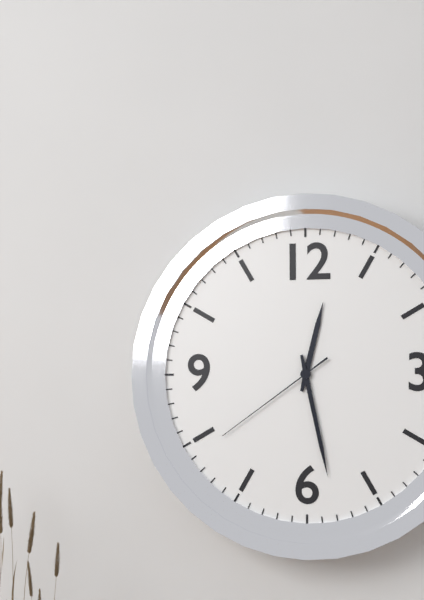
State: 12:28:39
